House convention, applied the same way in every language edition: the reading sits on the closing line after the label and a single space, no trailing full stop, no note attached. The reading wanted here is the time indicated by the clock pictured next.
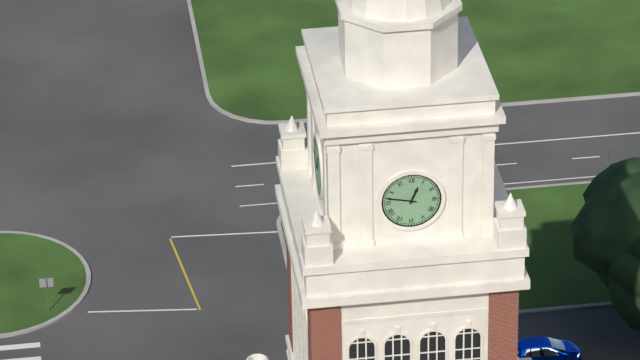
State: 12:47
